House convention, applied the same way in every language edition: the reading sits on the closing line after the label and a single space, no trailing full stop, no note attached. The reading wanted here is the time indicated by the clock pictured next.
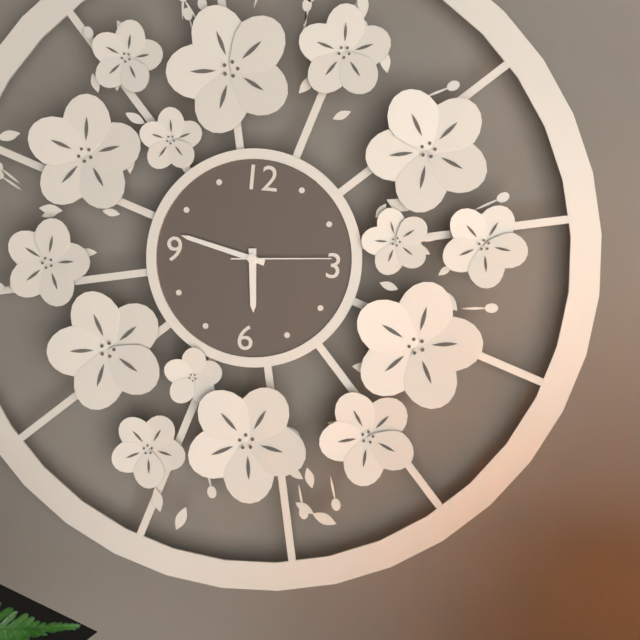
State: 5:47:14
